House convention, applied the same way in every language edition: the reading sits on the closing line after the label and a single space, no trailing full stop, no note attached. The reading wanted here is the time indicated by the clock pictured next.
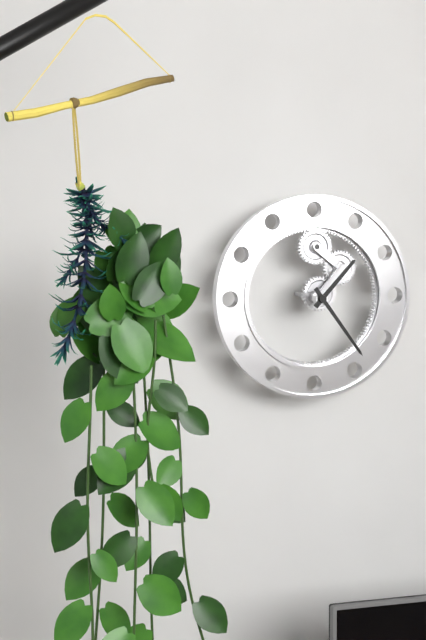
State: 1:24
